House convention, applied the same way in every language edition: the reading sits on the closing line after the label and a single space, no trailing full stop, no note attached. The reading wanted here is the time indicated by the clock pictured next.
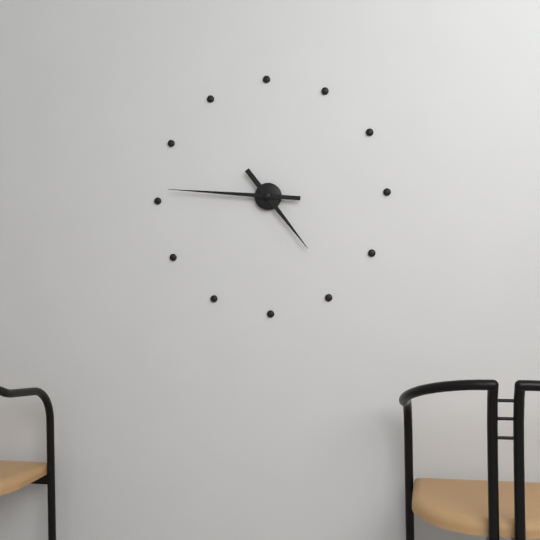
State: 4:46
